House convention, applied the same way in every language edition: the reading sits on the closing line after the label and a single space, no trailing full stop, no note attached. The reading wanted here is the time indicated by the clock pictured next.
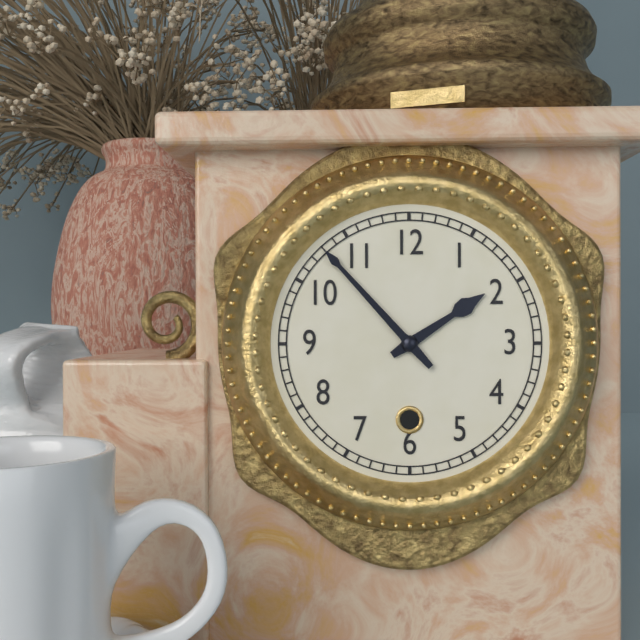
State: 1:53
